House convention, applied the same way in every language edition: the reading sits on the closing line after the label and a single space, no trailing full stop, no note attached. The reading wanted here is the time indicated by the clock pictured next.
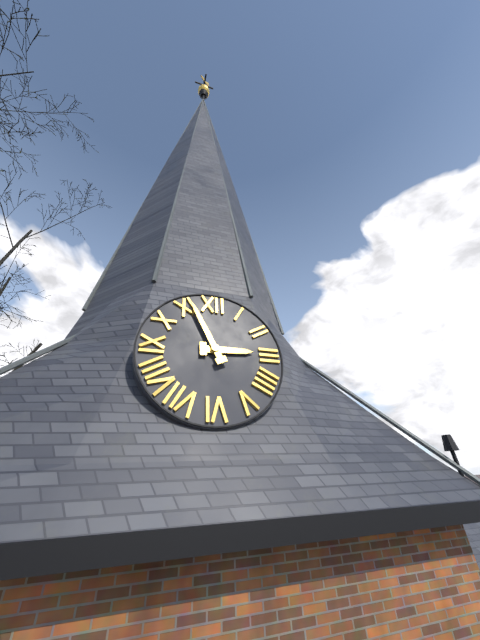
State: 2:56
